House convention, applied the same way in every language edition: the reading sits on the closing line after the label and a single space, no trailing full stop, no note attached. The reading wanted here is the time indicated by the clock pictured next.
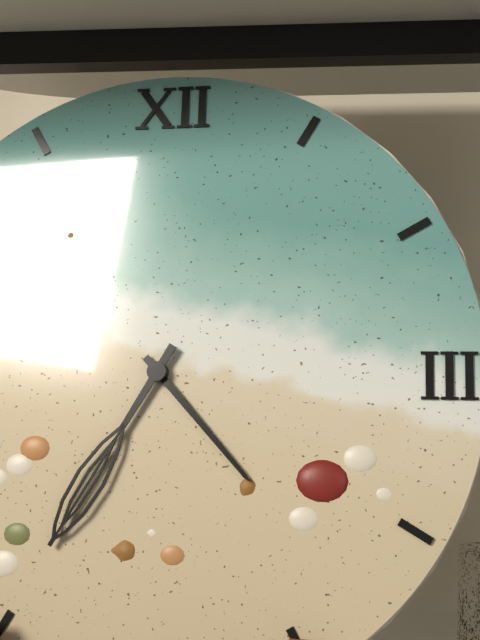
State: 4:35
